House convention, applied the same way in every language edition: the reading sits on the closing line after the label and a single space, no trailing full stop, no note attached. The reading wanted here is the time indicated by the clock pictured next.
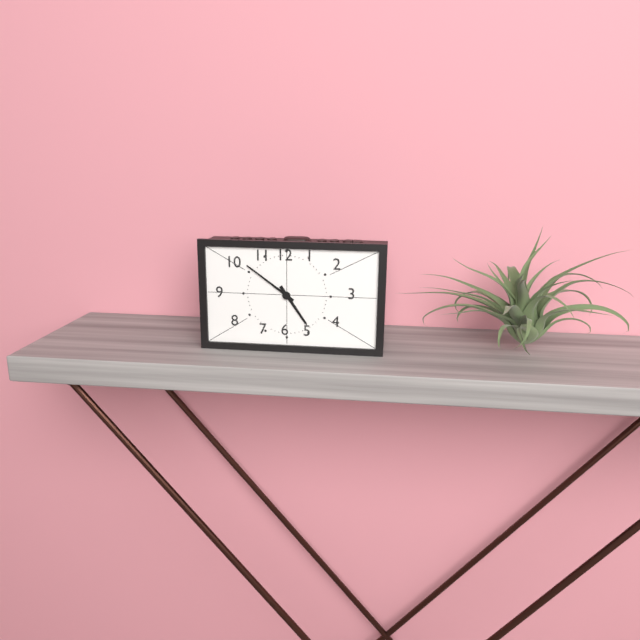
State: 4:51
